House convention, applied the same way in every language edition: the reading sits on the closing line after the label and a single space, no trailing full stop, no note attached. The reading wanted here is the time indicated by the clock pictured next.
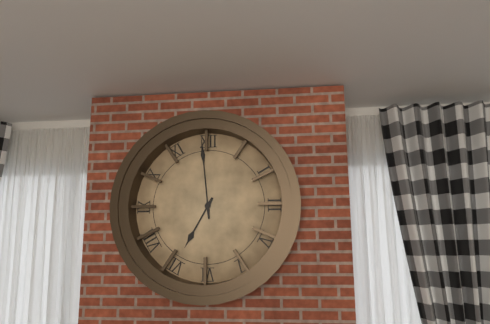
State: 6:59
